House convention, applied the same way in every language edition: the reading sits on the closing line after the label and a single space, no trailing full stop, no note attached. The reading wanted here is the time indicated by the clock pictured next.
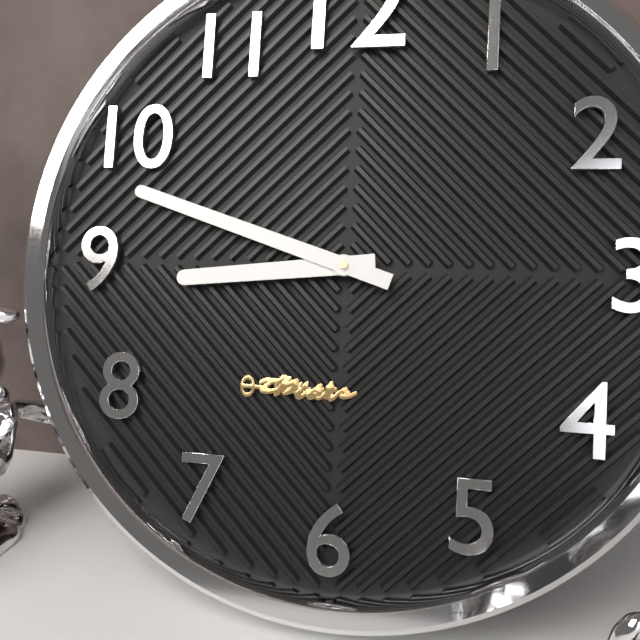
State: 8:48
